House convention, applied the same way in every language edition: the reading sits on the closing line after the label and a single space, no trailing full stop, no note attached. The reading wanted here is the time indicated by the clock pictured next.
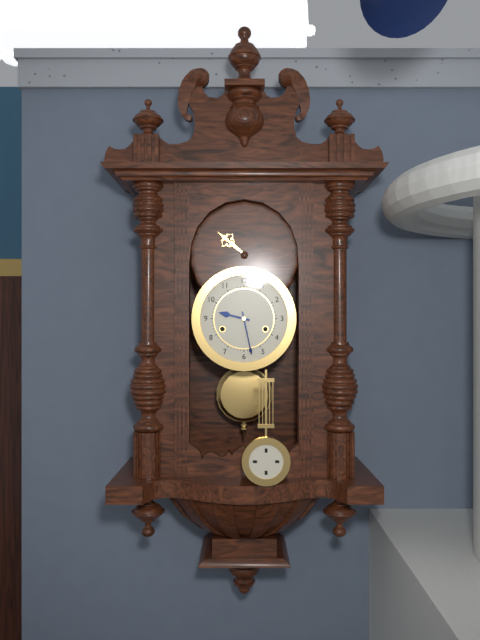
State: 9:28
